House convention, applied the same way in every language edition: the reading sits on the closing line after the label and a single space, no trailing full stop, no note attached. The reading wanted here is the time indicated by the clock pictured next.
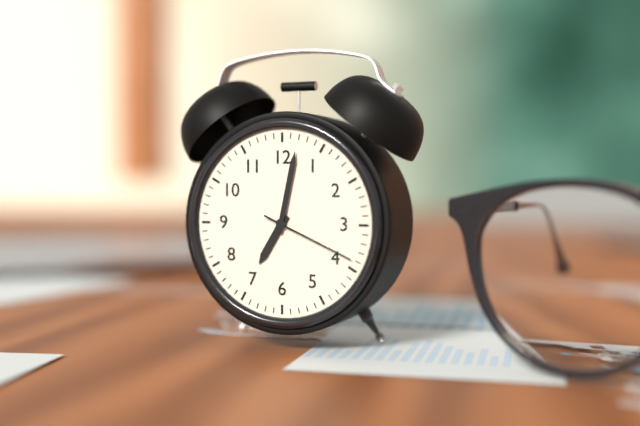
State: 7:02:19
